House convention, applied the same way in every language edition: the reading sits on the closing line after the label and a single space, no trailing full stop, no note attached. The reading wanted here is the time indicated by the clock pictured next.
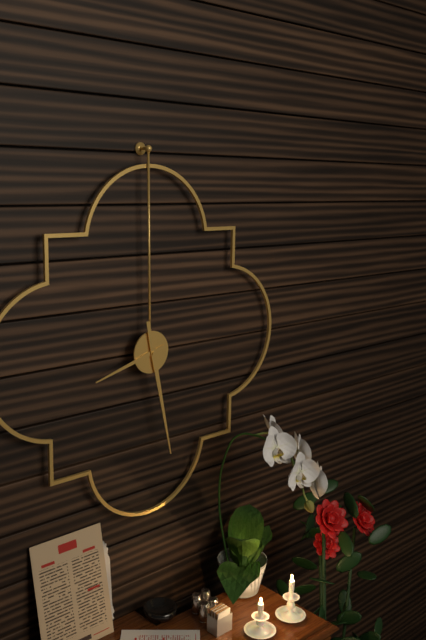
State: 8:28
